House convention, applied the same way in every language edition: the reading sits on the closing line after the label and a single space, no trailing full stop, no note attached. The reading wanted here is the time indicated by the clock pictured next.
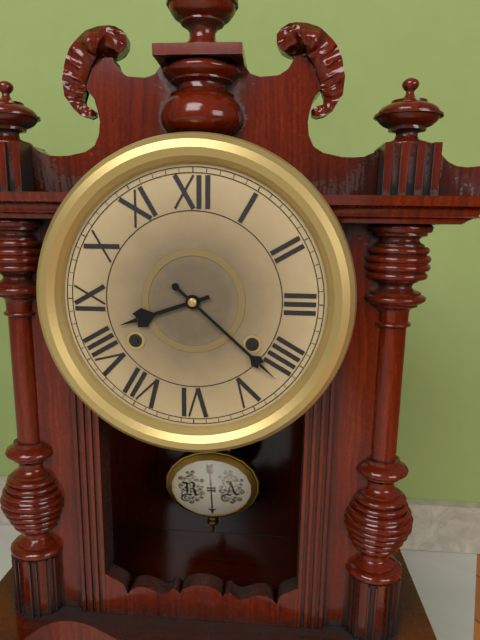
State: 8:22
